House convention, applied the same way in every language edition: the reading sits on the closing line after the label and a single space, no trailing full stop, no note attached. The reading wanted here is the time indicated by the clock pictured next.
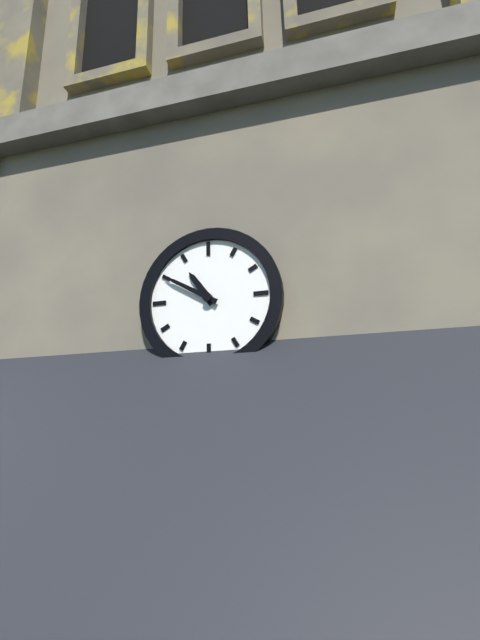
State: 10:50
